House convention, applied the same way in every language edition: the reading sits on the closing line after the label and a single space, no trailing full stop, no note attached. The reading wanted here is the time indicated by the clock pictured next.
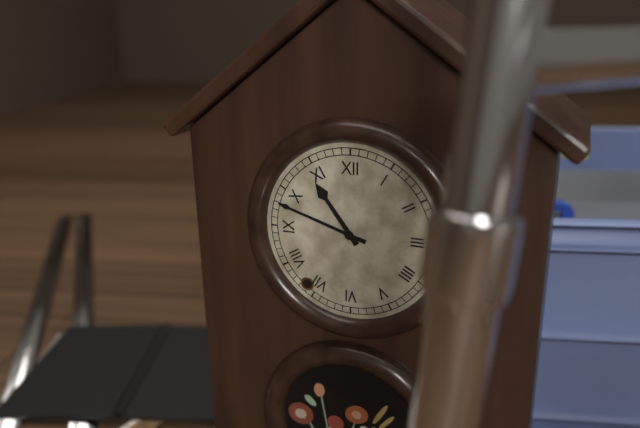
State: 10:48
